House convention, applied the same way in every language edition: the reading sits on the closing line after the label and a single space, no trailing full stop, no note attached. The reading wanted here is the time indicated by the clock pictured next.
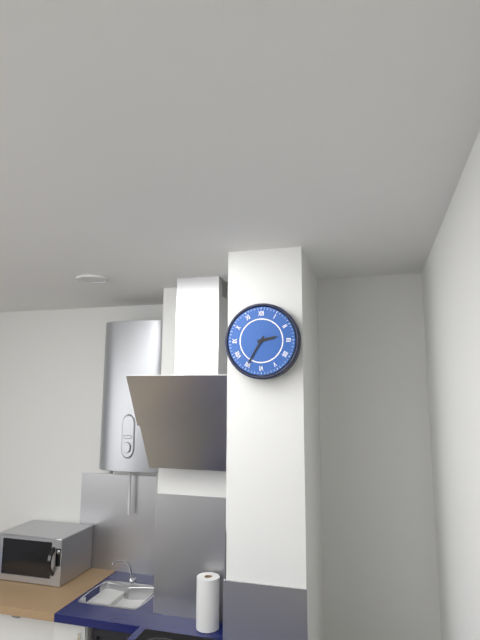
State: 2:35
